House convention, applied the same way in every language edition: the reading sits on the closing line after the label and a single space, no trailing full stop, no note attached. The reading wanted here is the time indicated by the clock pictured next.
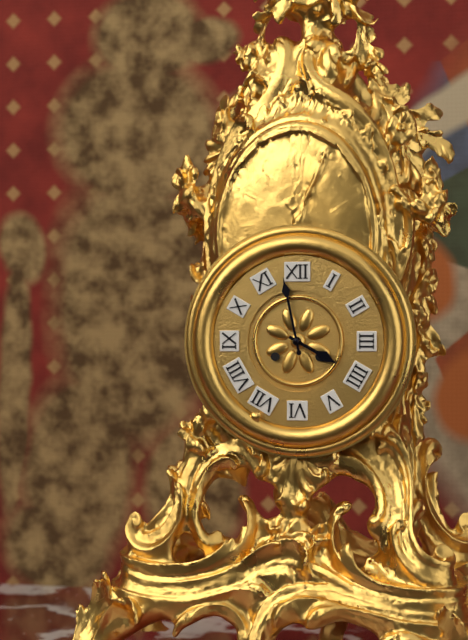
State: 3:58
